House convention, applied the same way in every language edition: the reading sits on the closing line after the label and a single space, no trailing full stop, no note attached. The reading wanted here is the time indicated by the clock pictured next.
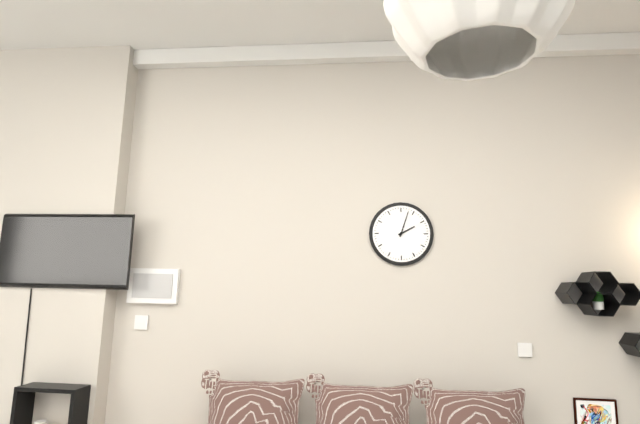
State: 2:03
